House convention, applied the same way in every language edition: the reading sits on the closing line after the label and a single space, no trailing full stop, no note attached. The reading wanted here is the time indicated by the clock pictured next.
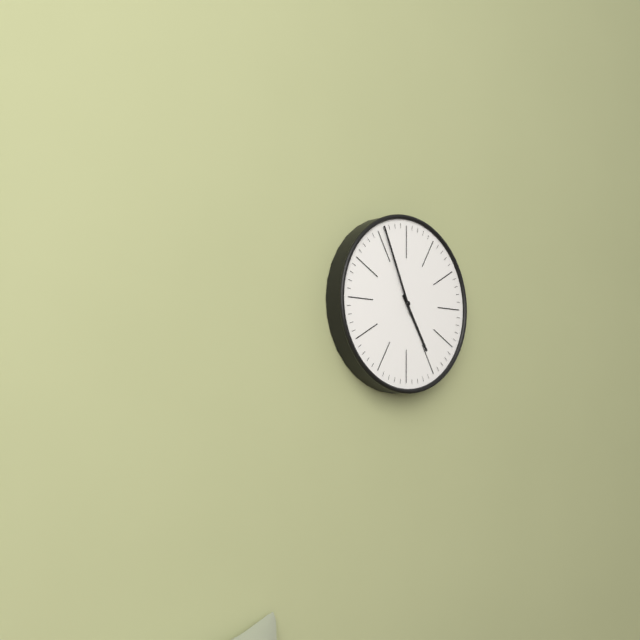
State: 4:56
